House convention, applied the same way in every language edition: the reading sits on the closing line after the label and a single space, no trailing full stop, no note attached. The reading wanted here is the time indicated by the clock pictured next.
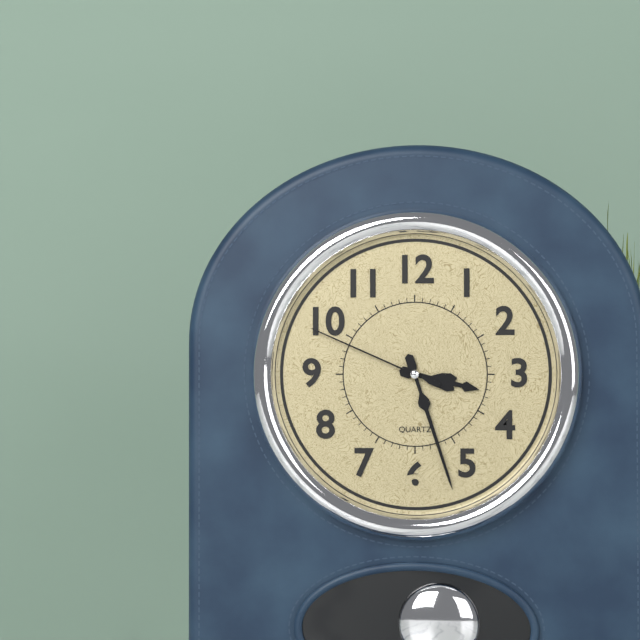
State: 3:27:49
